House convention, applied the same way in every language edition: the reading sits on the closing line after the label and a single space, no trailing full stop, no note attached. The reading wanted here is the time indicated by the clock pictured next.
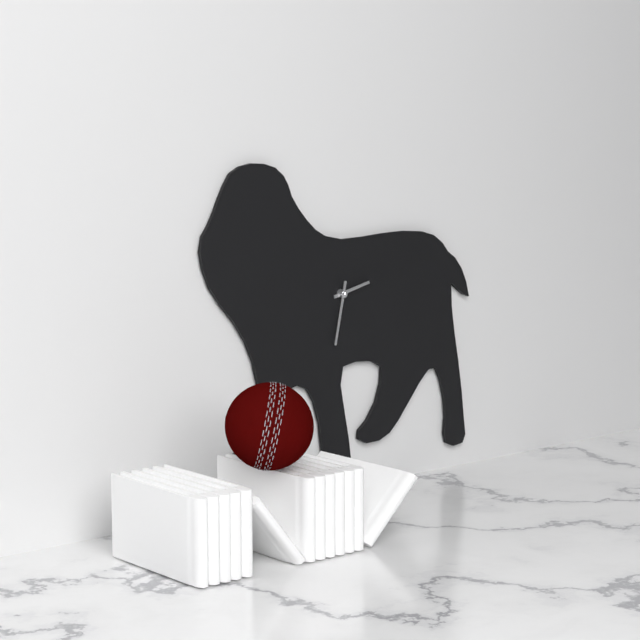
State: 2:32
